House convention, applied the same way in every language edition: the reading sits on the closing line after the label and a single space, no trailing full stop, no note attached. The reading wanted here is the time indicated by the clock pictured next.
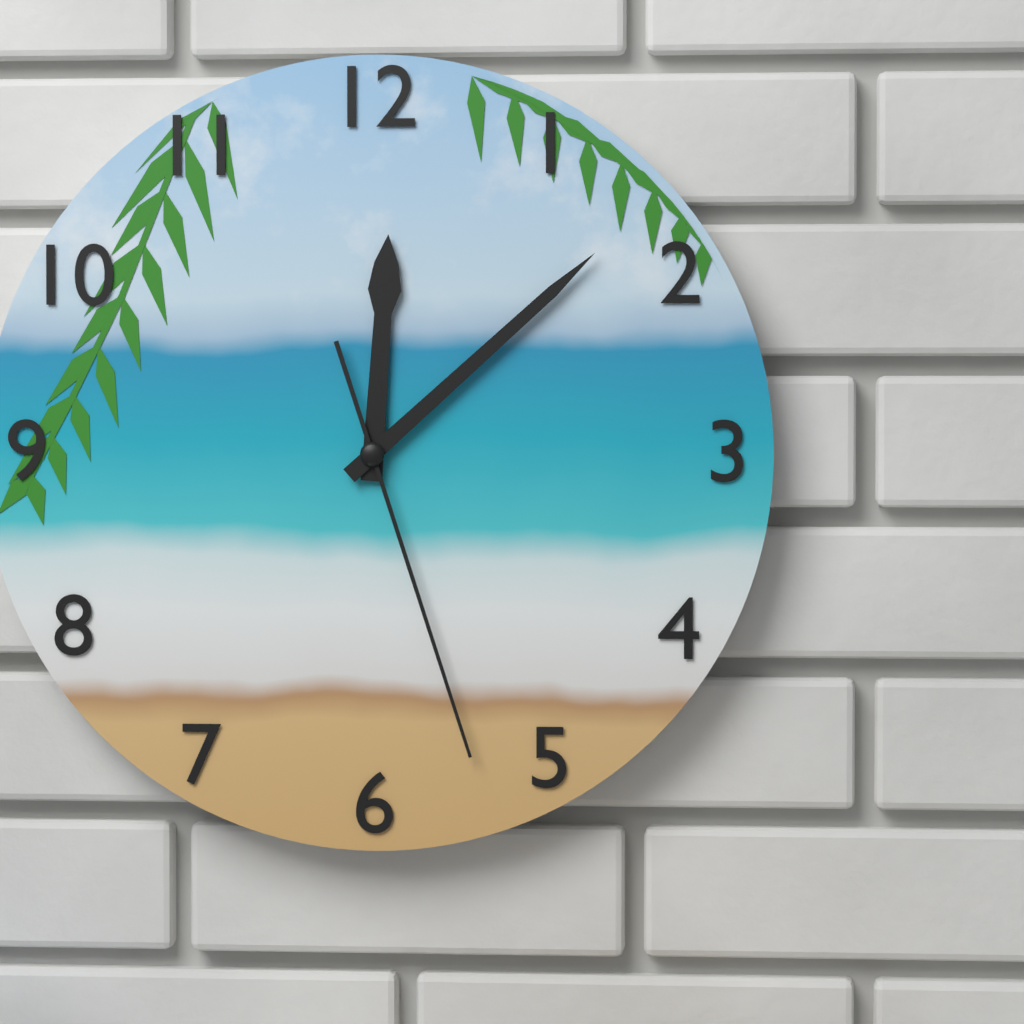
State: 12:08:27
